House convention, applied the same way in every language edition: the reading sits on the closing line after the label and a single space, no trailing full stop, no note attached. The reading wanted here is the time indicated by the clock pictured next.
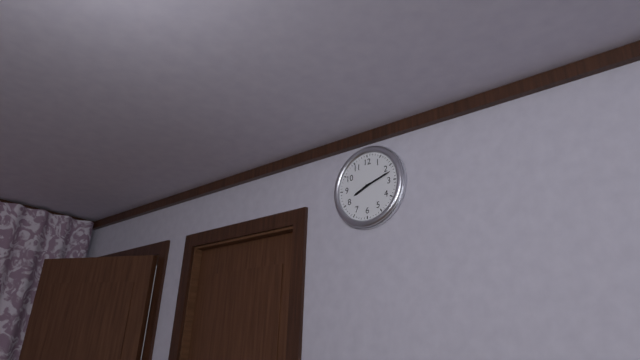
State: 8:12
